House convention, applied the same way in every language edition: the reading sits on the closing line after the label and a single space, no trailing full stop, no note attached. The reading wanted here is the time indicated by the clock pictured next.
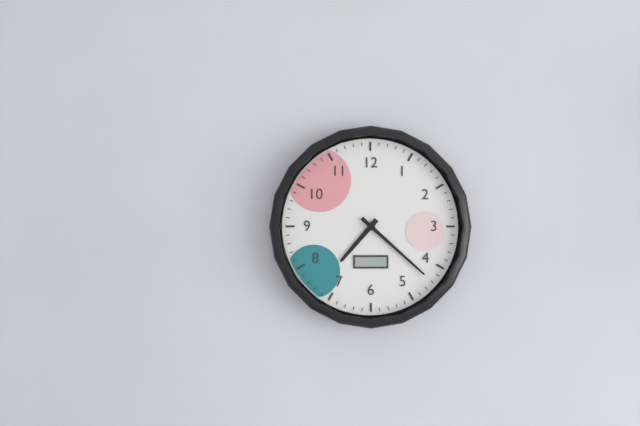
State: 7:22
